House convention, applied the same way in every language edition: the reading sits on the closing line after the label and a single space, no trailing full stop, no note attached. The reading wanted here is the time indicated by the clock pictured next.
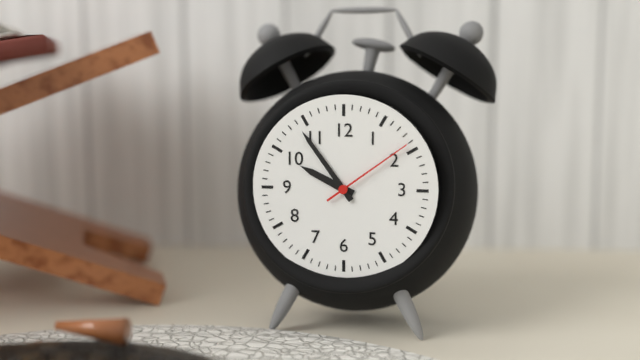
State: 9:54:09
